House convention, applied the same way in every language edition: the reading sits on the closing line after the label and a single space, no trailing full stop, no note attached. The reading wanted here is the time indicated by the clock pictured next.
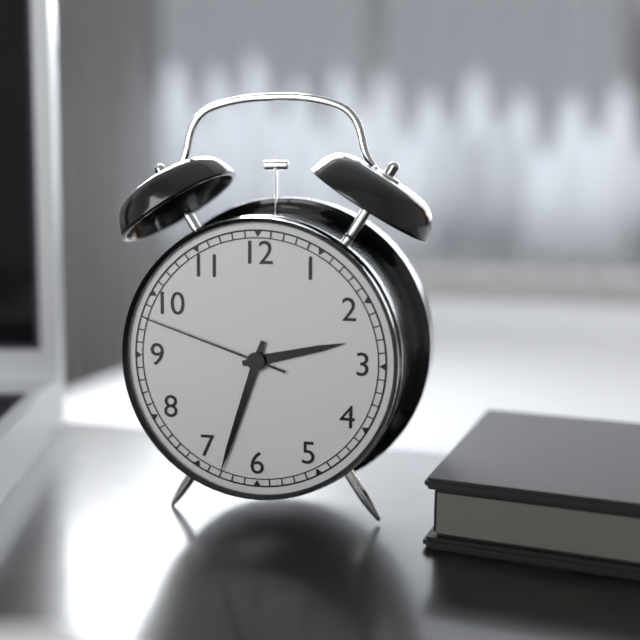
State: 2:33:48
